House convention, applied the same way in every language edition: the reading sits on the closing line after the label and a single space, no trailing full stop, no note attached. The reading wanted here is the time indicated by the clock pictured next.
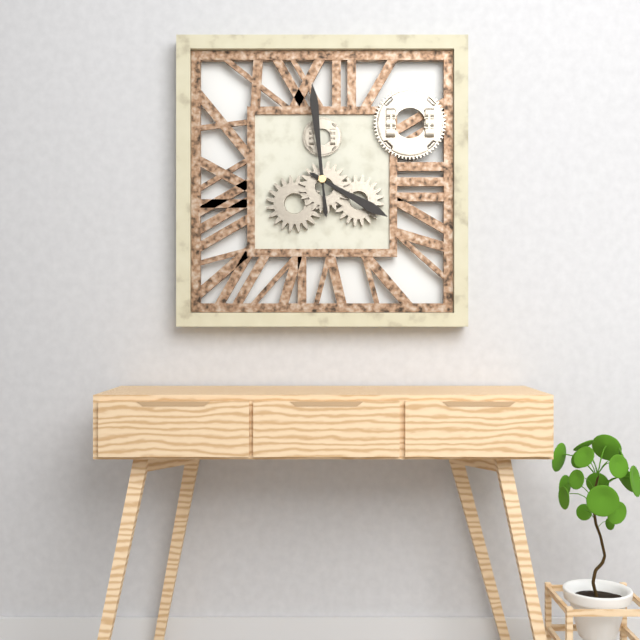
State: 3:59
